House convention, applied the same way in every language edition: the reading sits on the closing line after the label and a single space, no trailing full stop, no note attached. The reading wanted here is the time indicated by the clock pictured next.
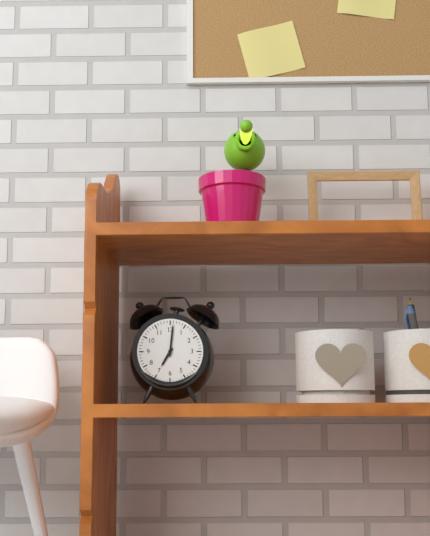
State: 7:01
